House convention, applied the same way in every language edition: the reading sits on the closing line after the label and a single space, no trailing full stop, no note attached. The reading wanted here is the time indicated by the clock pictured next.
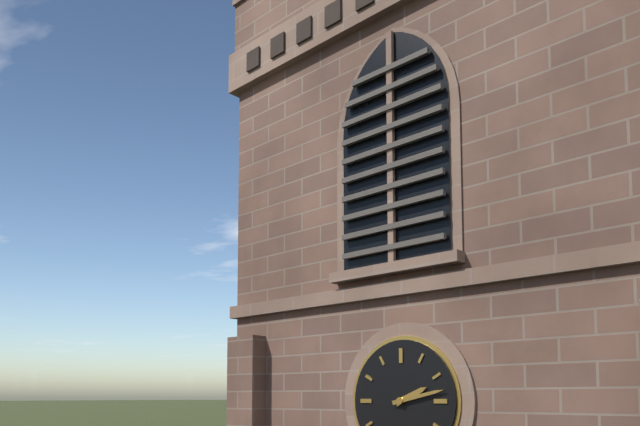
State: 2:13
